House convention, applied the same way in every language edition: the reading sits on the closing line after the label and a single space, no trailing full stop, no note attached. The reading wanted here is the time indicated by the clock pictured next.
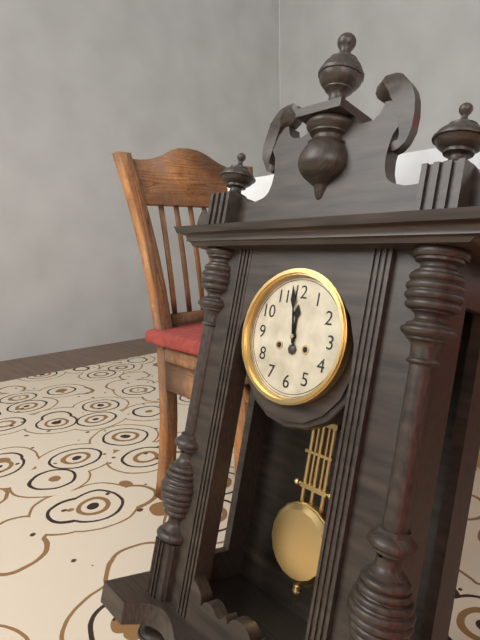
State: 11:58
